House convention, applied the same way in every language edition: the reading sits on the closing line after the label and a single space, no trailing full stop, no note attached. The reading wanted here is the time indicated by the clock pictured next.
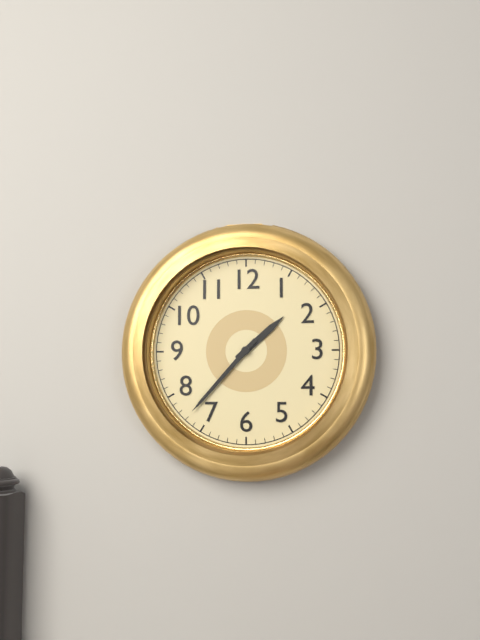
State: 1:37
